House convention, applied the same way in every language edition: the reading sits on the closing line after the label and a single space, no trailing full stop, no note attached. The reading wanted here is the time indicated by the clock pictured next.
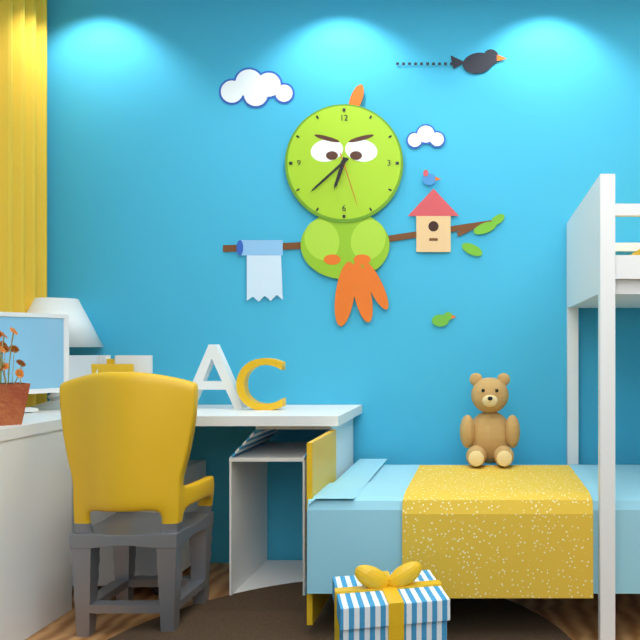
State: 6:38:27
